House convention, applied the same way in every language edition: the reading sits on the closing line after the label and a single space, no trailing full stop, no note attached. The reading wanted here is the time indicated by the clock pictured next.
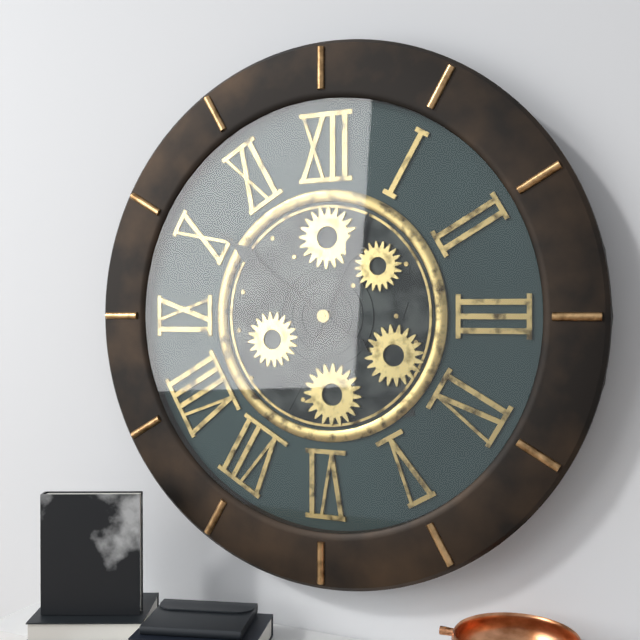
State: 12:51
